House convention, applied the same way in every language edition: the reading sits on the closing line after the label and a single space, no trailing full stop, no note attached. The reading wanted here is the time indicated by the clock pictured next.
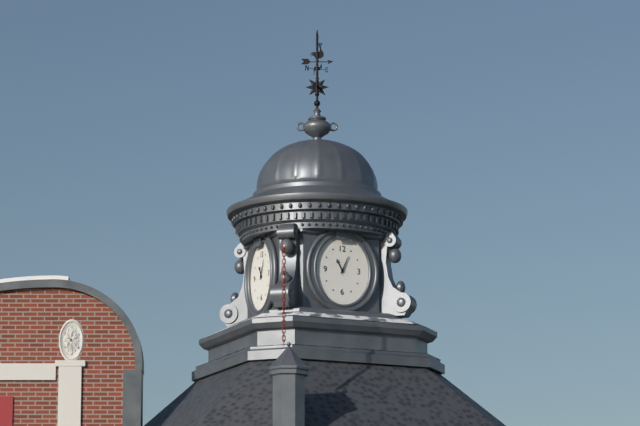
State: 11:04
